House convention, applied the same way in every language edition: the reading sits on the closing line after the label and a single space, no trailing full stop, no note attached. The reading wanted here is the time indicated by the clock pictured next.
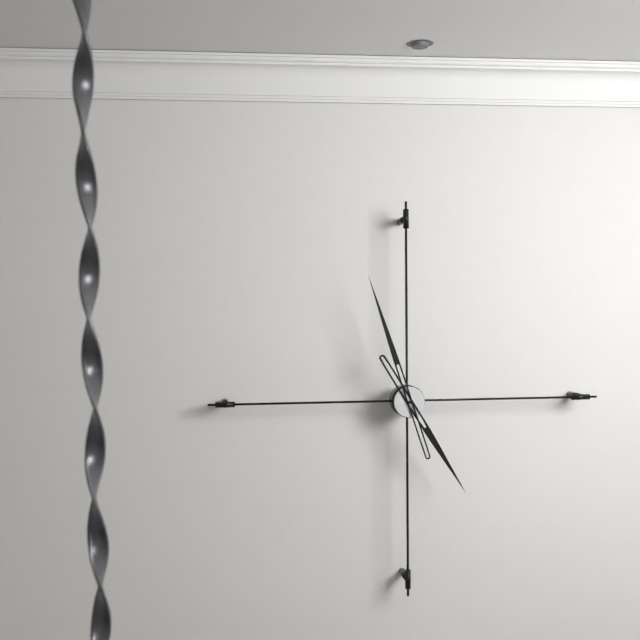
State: 4:57
